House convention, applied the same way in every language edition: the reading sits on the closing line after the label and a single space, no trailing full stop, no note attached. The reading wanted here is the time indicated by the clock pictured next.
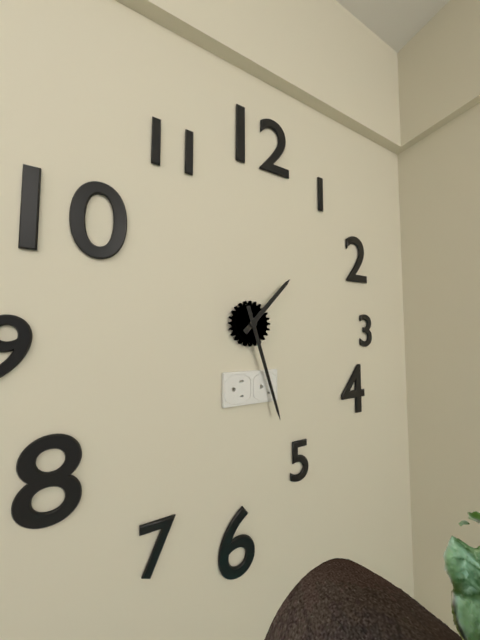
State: 1:27
